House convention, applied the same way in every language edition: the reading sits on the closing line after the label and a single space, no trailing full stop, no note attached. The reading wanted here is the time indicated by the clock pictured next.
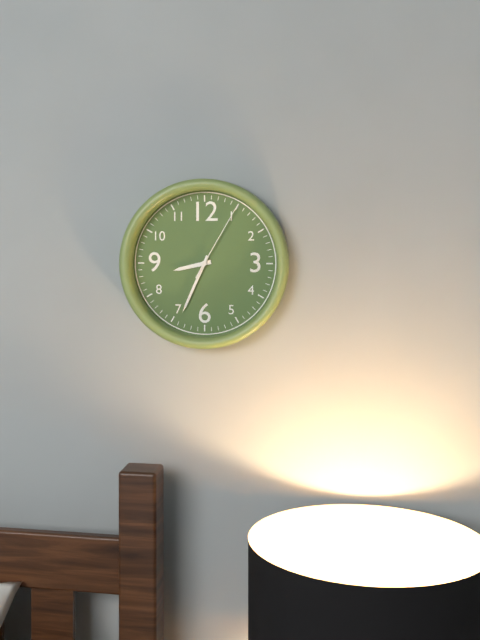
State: 8:34:05
